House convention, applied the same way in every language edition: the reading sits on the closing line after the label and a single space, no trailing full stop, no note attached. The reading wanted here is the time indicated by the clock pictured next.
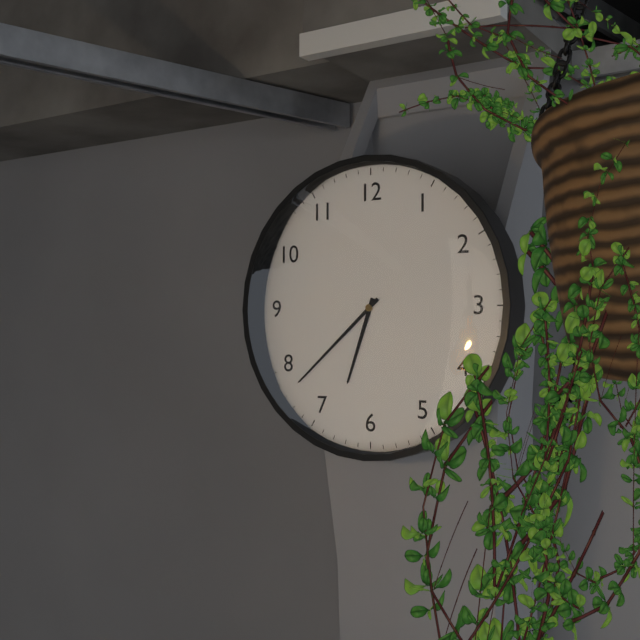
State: 6:38
